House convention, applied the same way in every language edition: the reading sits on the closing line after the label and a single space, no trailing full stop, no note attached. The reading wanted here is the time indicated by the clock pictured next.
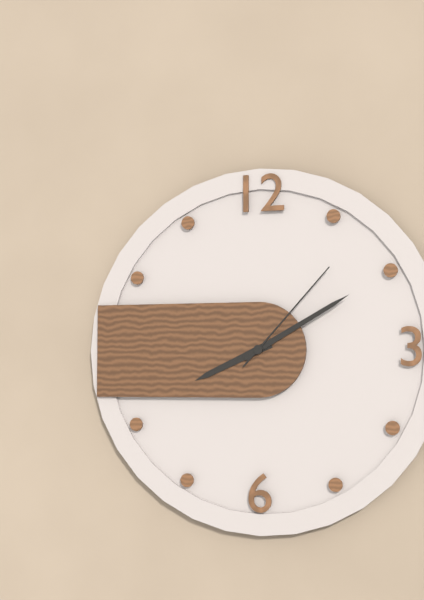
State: 8:10:07
